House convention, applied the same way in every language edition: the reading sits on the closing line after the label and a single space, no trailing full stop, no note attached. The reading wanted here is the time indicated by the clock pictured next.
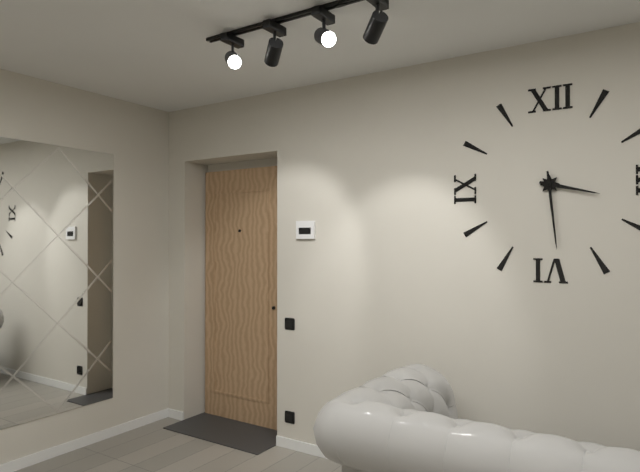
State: 3:29
